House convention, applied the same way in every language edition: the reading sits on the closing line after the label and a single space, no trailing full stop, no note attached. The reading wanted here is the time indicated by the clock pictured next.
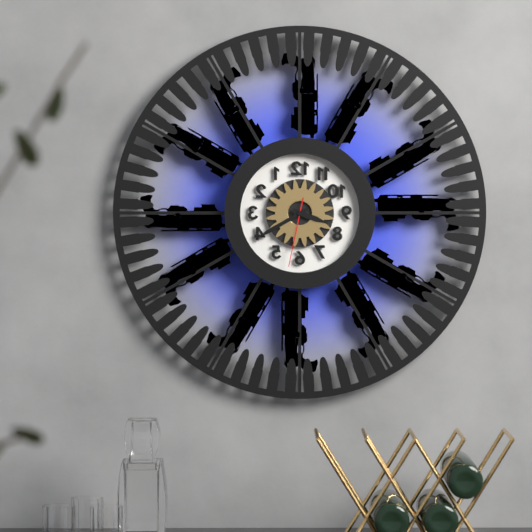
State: 3:40:32
